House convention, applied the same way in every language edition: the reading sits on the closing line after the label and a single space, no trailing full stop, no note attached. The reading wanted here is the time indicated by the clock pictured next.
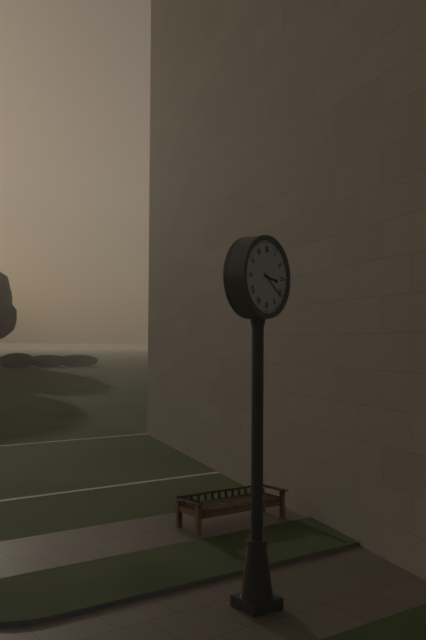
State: 3:21
